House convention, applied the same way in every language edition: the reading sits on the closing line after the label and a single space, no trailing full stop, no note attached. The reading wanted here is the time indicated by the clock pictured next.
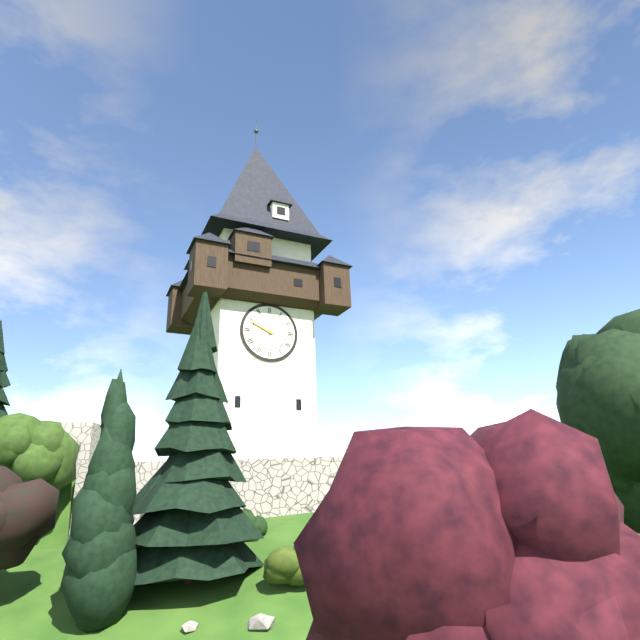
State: 9:49
